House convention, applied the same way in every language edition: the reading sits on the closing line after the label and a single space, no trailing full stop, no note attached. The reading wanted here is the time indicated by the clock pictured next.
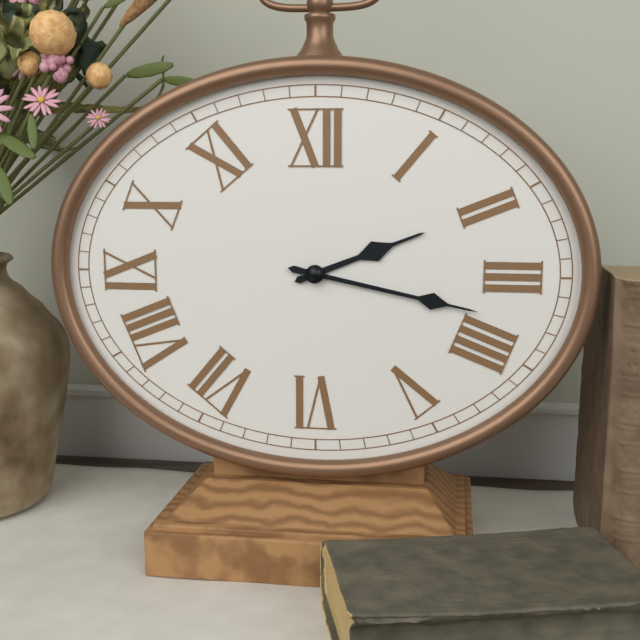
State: 2:17
